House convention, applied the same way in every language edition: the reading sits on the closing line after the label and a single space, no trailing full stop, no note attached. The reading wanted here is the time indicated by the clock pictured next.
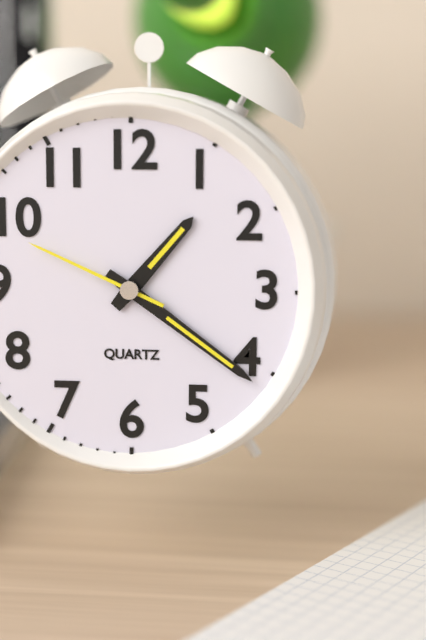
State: 1:21:49
